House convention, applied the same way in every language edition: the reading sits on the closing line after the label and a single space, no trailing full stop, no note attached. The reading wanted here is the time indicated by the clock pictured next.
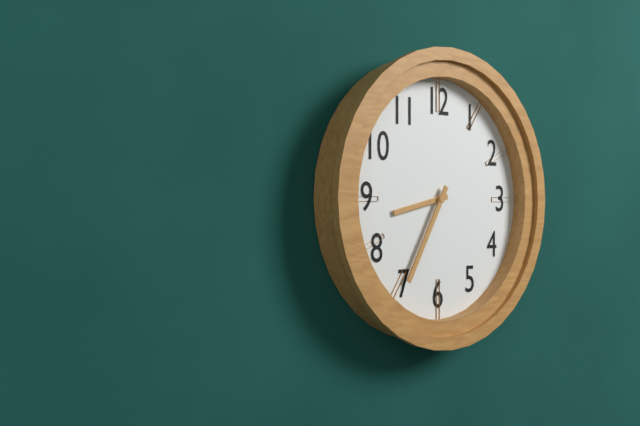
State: 8:35
